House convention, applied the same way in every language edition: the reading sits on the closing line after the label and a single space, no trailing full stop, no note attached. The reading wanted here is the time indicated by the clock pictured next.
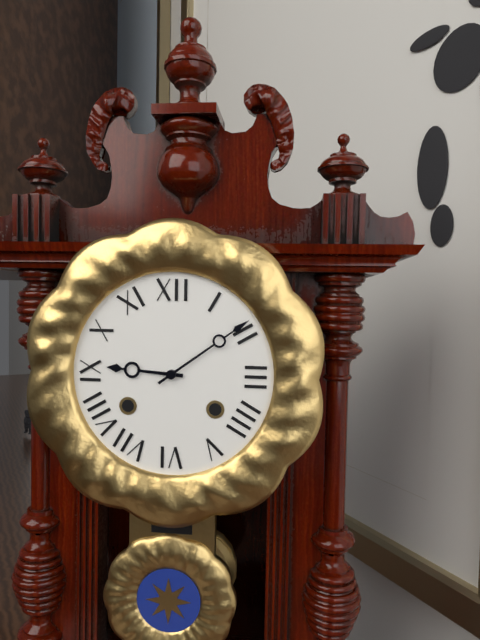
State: 9:09
